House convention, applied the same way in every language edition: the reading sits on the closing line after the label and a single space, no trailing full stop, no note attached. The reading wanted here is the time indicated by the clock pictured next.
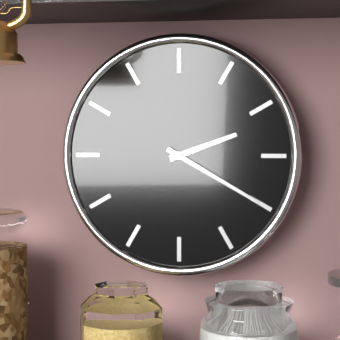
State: 2:20
